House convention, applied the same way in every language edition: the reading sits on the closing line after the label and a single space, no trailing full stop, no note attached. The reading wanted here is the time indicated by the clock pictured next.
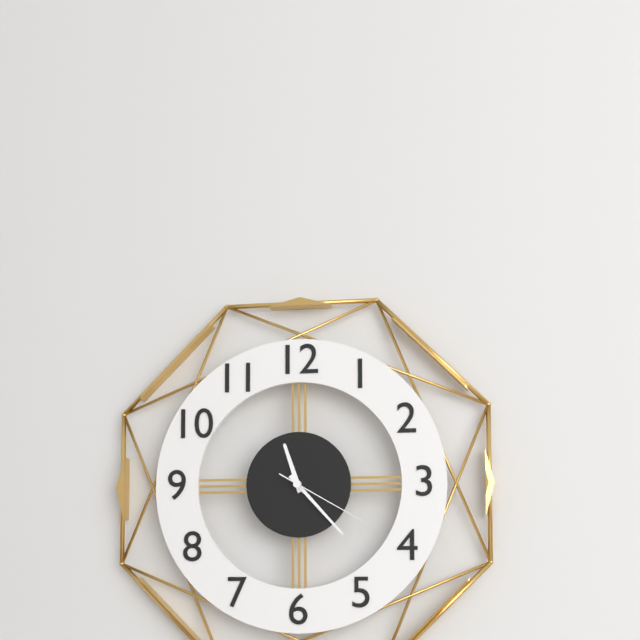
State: 11:23:20
